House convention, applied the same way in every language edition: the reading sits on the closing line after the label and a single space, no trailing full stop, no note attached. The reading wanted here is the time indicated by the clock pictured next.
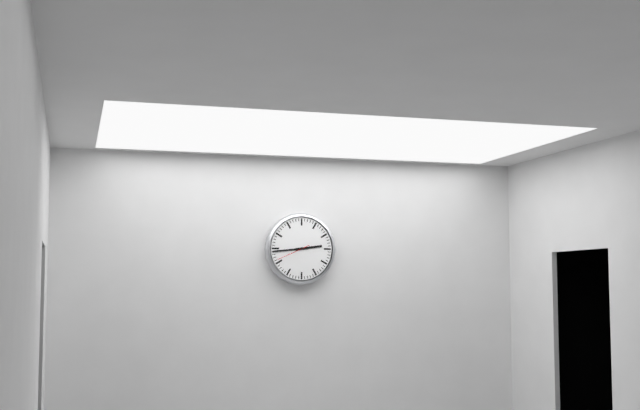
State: 2:44
